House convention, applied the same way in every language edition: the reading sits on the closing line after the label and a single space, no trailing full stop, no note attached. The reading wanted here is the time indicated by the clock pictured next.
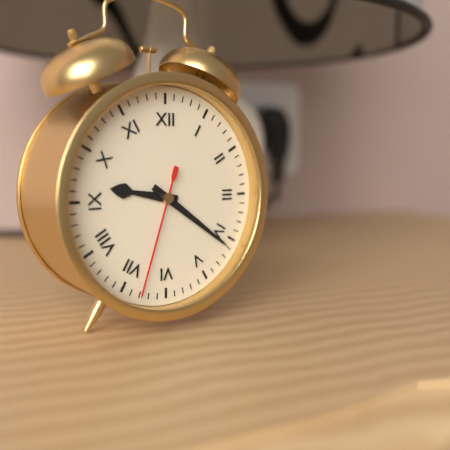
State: 9:21:33
